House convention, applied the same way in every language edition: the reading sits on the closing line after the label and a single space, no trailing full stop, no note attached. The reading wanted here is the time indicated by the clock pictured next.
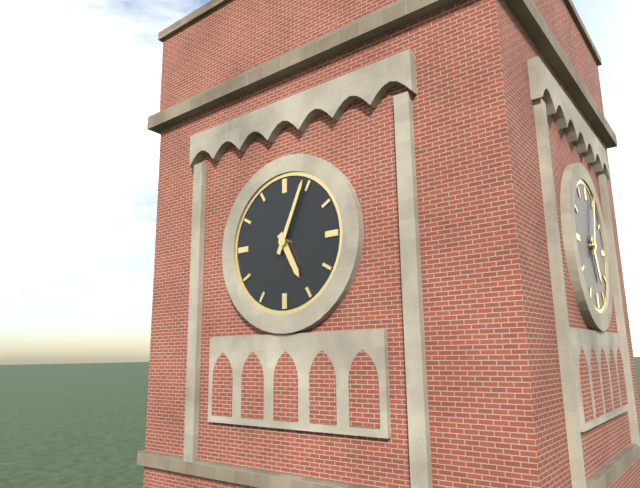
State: 5:04
